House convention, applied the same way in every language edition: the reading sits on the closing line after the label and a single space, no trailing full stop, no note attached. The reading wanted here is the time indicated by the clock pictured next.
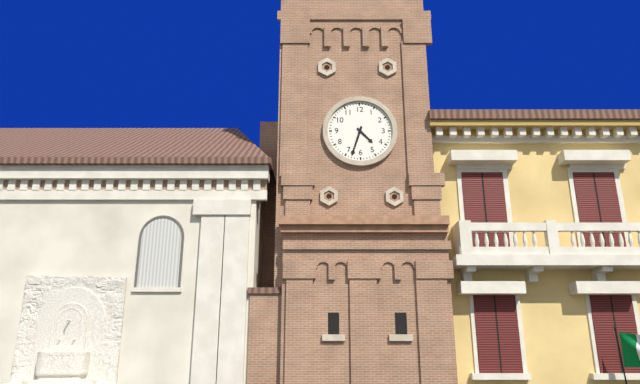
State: 4:33
